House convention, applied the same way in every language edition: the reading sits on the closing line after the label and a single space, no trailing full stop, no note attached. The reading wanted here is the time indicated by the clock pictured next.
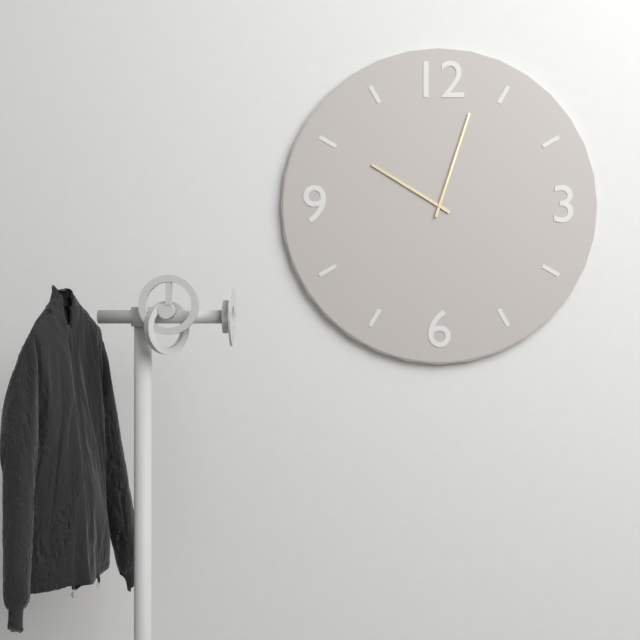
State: 10:03
